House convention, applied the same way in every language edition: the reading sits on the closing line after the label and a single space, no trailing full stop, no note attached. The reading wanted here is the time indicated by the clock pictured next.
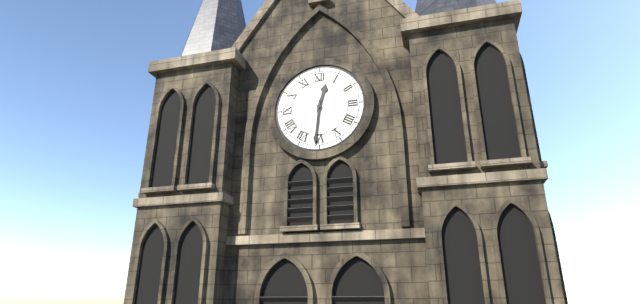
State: 12:31
